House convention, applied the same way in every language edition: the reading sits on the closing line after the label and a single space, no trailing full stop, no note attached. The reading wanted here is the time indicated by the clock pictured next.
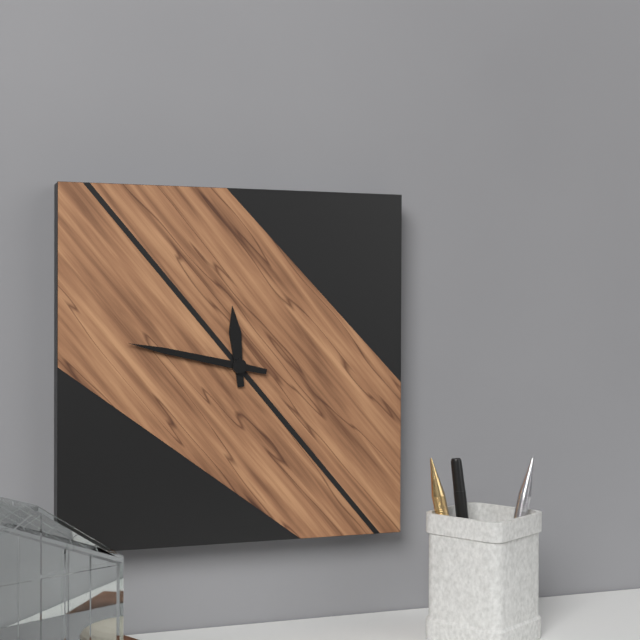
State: 11:47
